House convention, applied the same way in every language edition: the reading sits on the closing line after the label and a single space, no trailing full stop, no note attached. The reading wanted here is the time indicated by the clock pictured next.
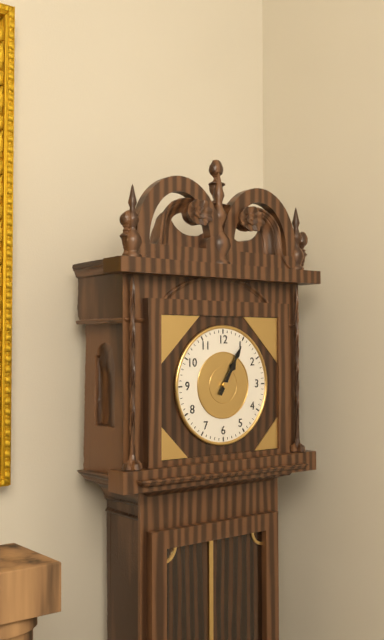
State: 1:05
